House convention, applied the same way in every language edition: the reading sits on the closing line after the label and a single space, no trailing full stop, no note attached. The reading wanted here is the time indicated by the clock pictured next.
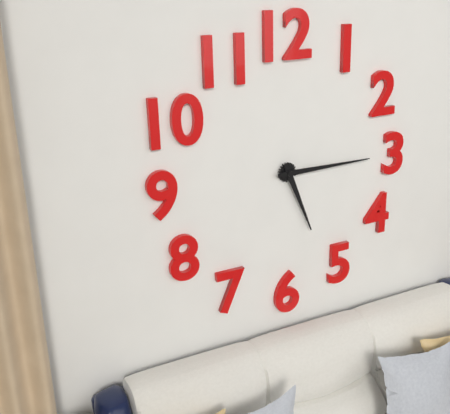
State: 5:15
